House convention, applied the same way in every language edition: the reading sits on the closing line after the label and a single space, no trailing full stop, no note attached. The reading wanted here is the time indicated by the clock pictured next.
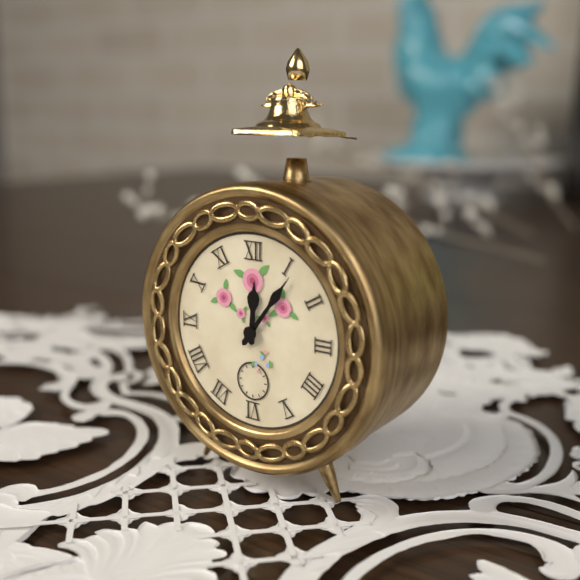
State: 12:06
